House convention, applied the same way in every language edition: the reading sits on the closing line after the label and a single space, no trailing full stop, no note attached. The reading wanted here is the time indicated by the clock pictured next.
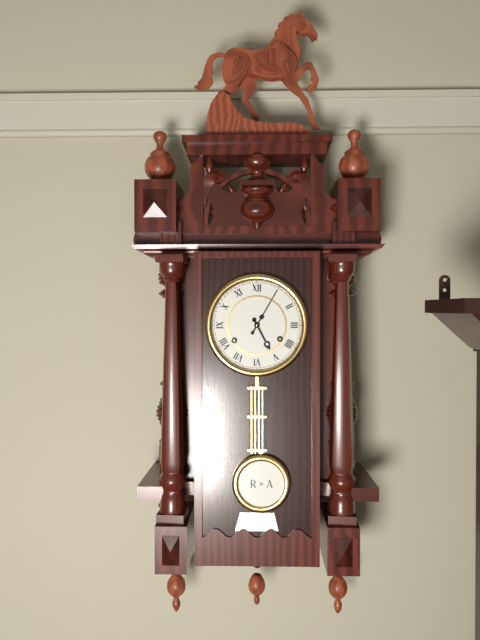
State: 5:05
